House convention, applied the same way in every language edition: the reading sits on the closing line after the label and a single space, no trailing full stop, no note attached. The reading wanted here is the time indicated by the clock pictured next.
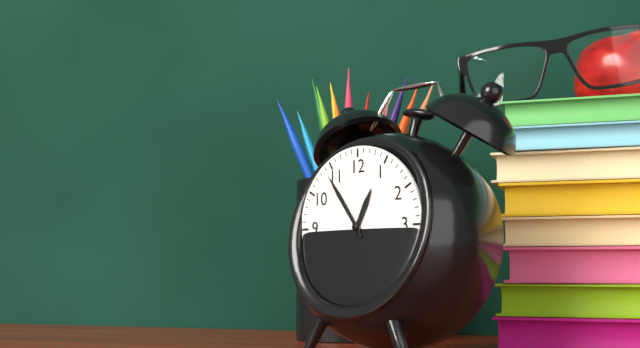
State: 12:54
